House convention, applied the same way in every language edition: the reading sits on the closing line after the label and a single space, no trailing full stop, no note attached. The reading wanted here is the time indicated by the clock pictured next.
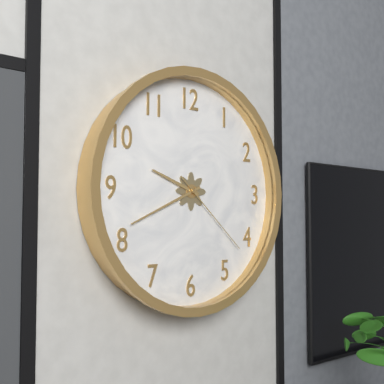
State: 9:41:22
